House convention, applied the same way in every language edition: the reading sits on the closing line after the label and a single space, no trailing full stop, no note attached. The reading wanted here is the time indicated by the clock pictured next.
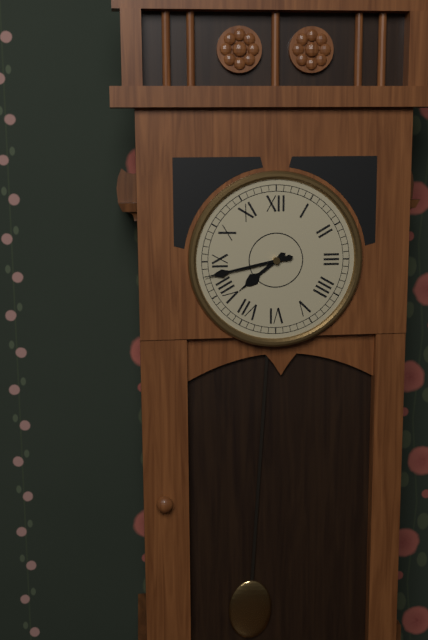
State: 7:43
